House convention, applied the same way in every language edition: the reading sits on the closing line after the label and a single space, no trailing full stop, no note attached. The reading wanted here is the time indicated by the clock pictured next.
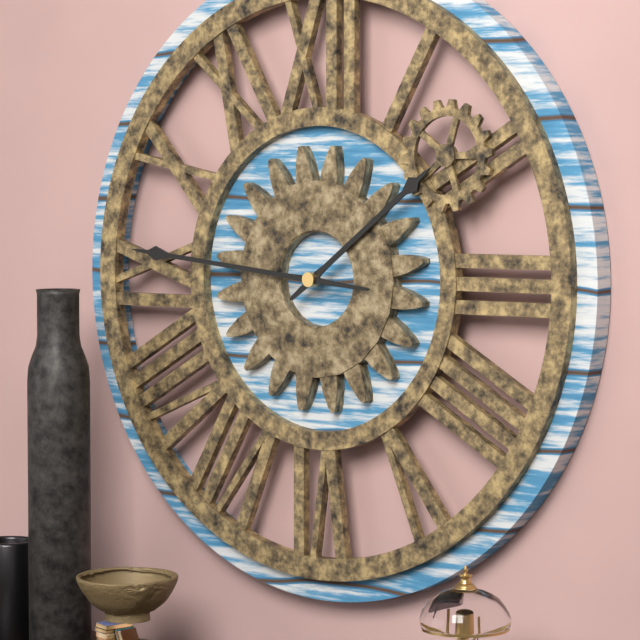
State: 1:46
